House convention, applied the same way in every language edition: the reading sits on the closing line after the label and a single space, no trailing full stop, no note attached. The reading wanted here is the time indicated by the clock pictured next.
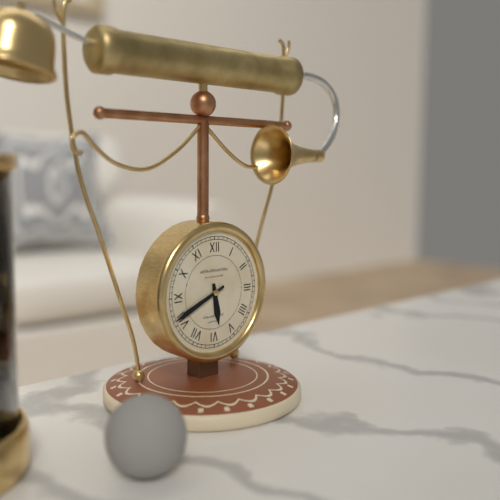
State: 5:41
